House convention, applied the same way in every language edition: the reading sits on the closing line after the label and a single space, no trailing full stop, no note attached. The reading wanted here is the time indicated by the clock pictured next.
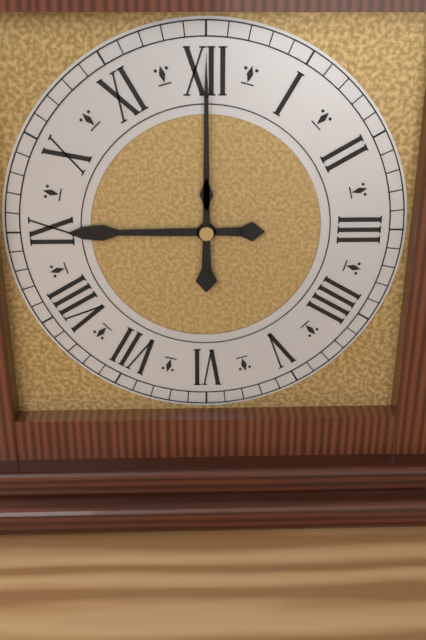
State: 9:00
